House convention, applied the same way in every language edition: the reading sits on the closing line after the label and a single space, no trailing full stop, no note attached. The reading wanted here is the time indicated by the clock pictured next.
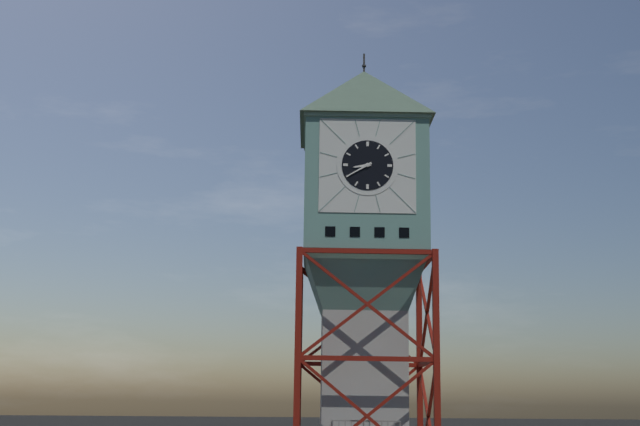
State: 8:40
